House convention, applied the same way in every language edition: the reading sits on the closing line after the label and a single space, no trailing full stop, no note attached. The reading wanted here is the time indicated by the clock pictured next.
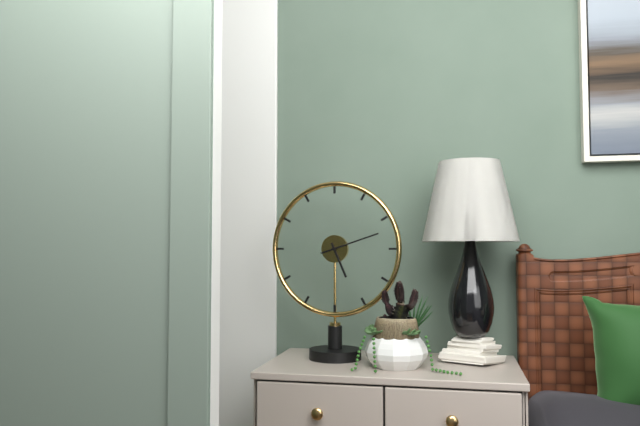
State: 5:12
